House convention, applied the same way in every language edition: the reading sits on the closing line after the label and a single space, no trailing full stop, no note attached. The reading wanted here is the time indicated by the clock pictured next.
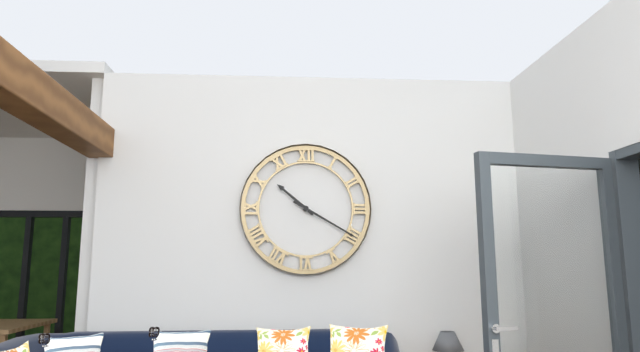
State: 10:20
